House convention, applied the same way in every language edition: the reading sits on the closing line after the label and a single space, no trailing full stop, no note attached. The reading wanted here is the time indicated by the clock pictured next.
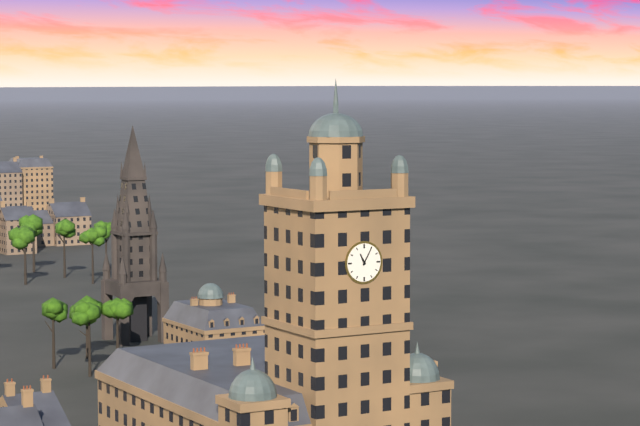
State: 11:05
